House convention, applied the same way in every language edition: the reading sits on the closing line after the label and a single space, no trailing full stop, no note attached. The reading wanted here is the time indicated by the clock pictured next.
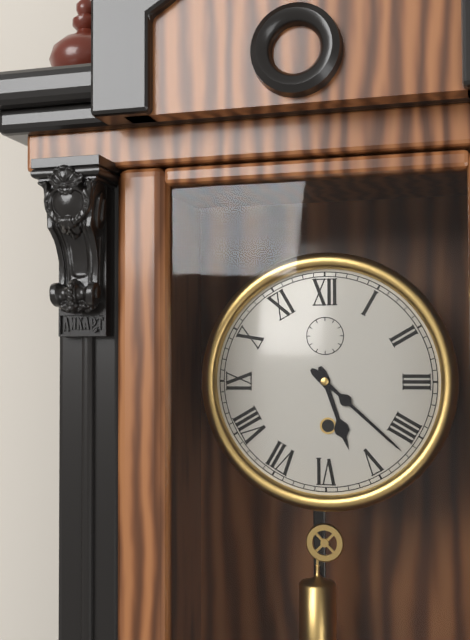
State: 5:22
